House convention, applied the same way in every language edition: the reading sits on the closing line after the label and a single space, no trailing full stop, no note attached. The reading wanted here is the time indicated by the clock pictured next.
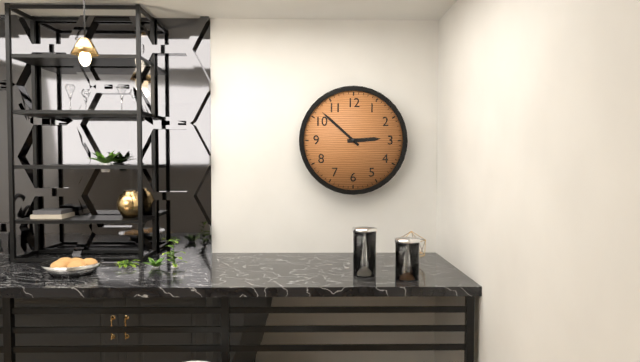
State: 2:52
